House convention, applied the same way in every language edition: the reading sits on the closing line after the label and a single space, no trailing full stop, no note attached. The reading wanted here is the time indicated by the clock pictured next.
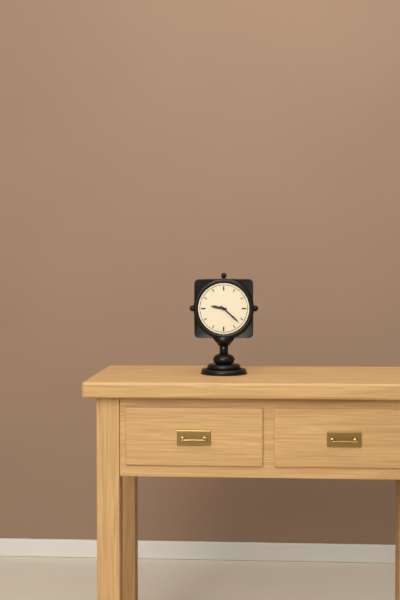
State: 9:22
